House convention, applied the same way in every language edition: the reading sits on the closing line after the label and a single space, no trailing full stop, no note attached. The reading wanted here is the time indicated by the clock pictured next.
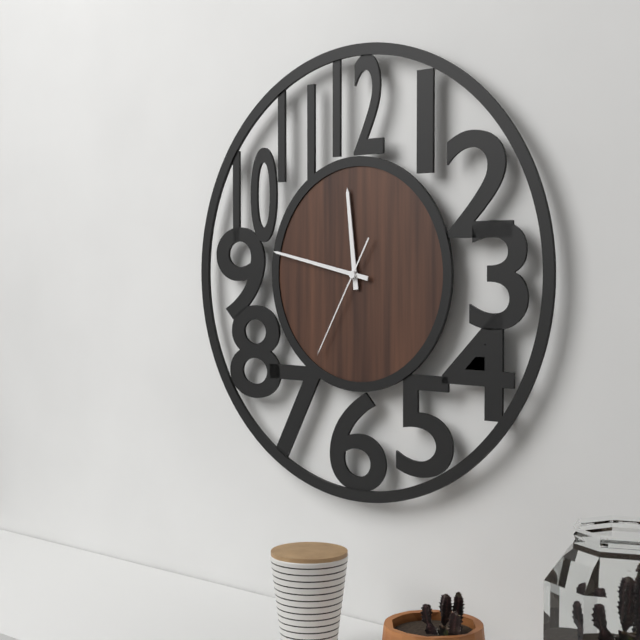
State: 11:47:35
